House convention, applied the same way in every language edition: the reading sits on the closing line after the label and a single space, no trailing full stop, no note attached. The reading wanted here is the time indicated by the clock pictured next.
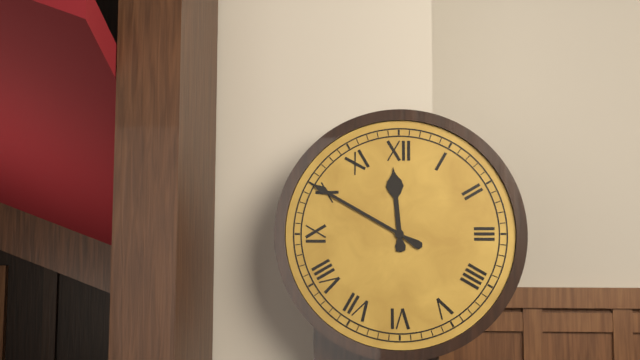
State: 11:50
